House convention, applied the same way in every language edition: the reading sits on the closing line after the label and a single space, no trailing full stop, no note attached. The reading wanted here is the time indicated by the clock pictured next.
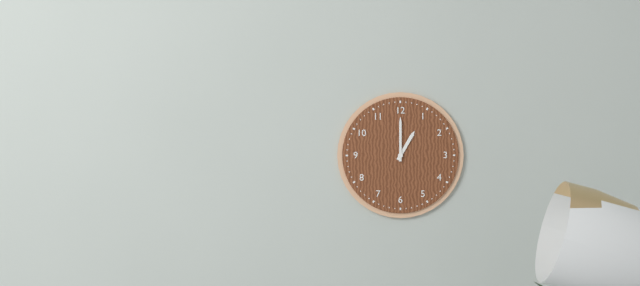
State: 1:00
